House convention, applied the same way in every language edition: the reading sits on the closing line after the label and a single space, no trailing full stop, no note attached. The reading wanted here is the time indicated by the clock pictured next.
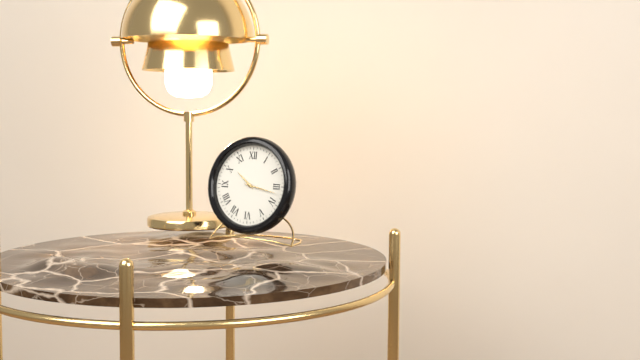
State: 10:17
